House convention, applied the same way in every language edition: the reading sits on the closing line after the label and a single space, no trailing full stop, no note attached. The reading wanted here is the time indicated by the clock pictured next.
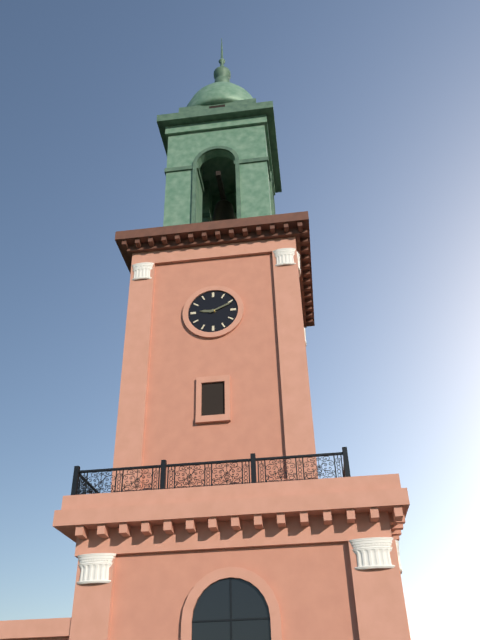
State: 9:11
